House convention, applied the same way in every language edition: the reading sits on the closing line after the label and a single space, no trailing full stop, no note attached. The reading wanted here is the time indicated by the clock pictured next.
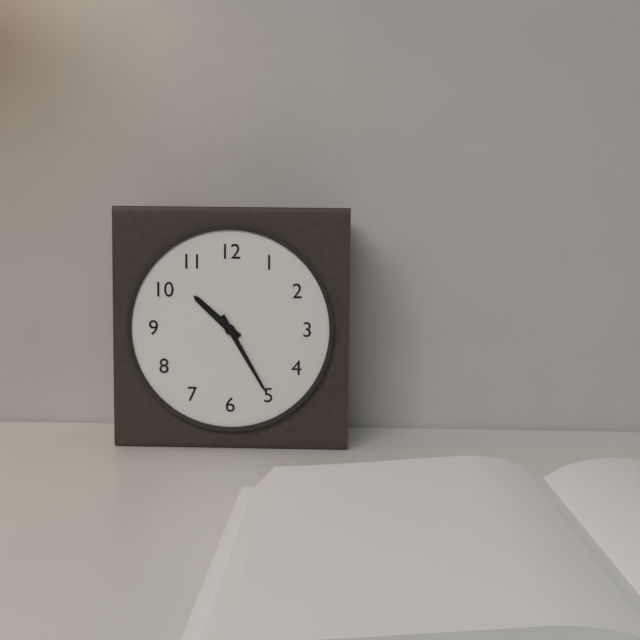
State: 10:25
